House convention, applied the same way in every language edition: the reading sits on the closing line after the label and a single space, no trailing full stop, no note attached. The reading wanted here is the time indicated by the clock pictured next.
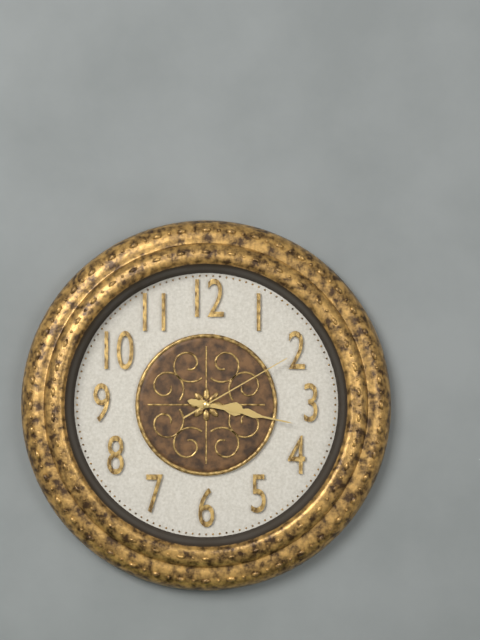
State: 3:17:10
